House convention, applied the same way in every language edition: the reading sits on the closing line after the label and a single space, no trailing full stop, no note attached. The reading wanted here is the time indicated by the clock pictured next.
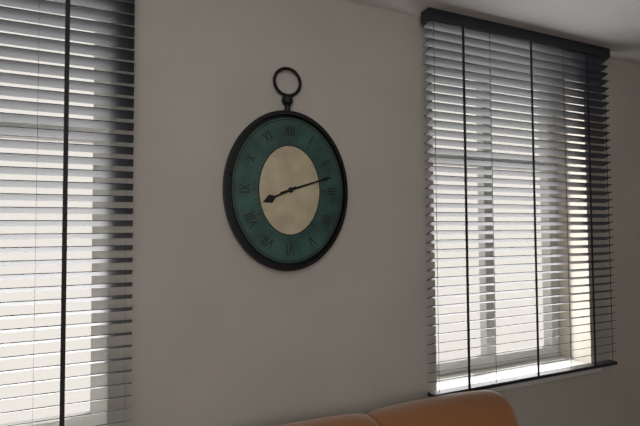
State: 8:12
